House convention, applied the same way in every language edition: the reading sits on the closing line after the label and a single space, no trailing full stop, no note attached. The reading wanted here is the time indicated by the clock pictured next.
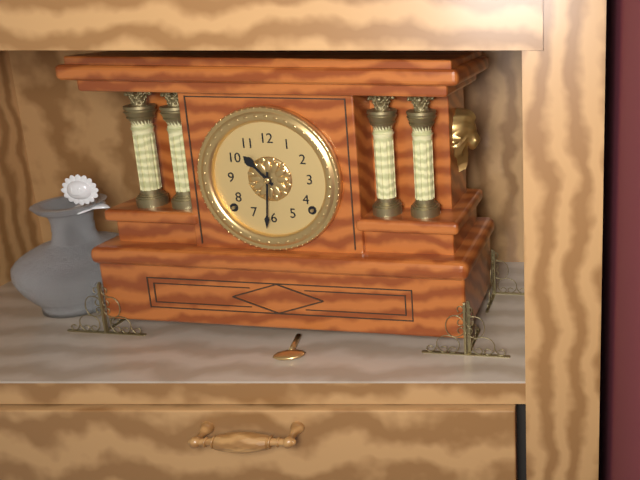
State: 10:31
